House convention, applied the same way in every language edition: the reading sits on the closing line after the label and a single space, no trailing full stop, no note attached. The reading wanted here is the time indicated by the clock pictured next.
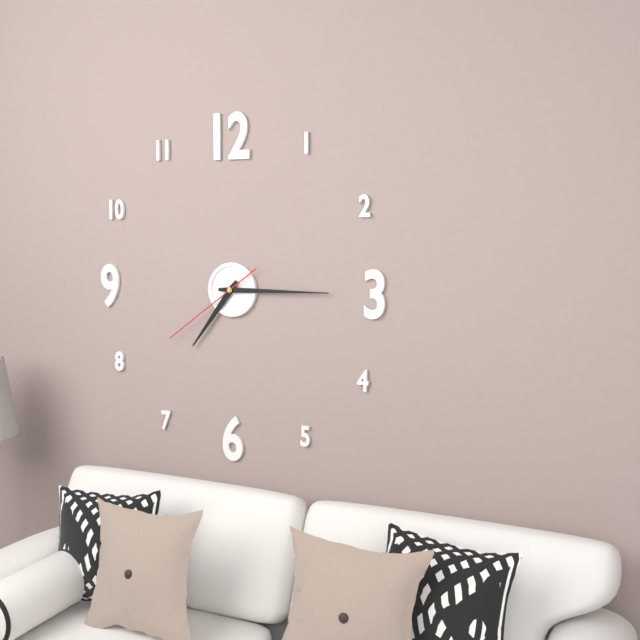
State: 7:15:39
